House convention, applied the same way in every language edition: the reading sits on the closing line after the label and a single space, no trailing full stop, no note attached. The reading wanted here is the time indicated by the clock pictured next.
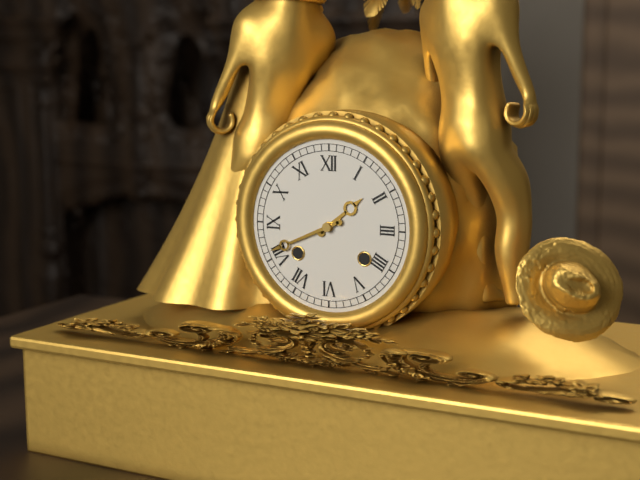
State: 1:41
